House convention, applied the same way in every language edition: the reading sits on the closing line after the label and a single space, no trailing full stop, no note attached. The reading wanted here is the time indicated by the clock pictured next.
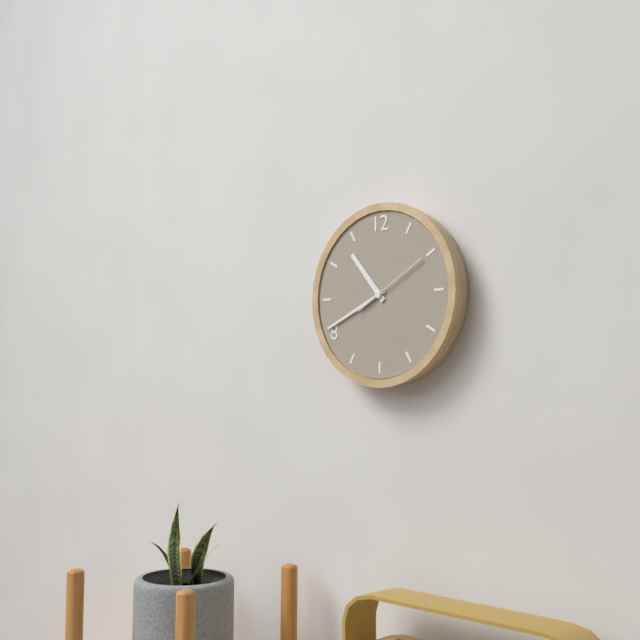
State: 10:41:10
